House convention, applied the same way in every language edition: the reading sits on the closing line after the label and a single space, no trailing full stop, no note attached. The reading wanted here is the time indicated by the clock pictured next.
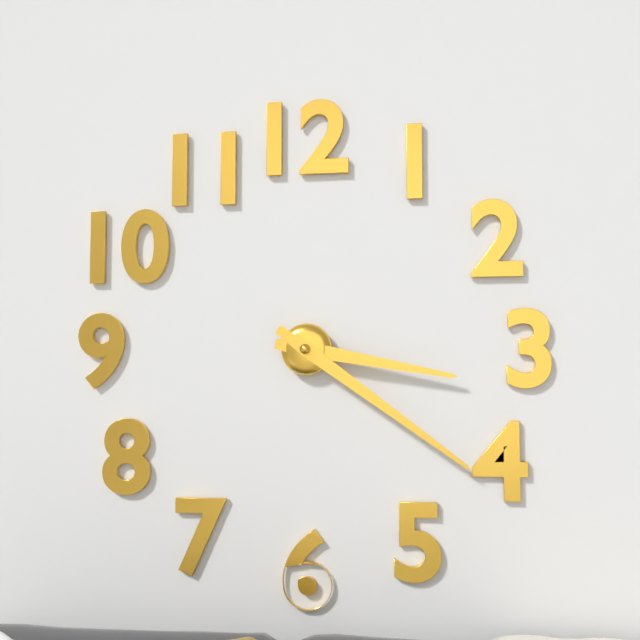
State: 3:21
